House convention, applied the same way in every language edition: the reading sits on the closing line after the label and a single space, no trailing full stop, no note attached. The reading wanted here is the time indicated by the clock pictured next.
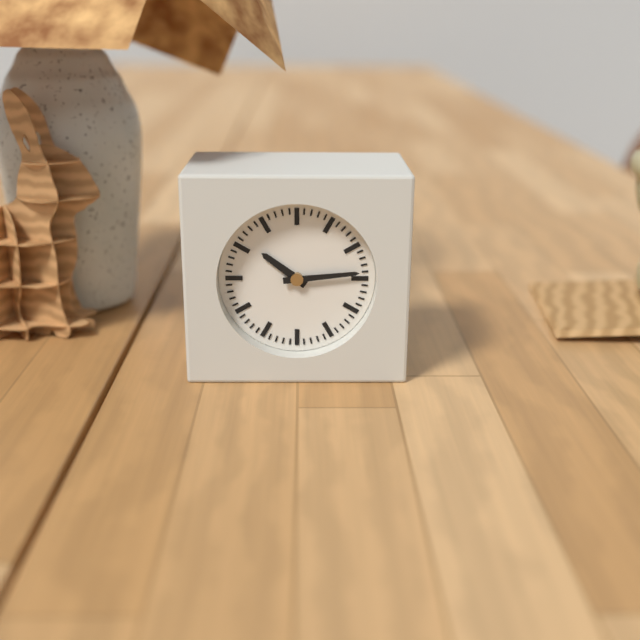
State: 10:14
